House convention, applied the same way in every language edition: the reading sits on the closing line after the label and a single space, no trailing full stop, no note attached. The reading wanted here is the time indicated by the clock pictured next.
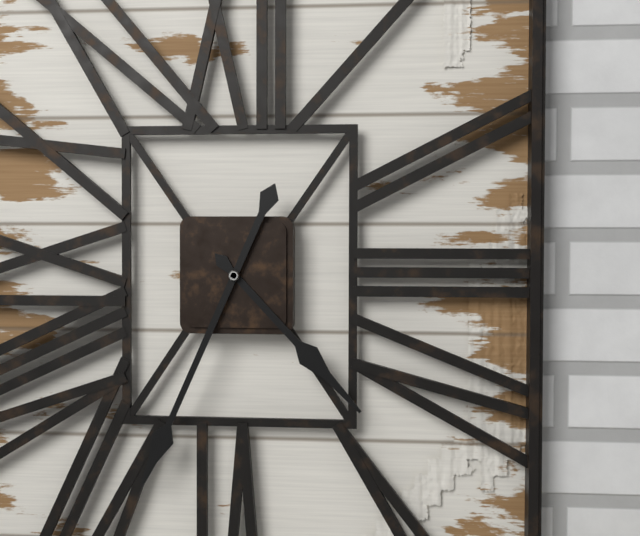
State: 4:34
